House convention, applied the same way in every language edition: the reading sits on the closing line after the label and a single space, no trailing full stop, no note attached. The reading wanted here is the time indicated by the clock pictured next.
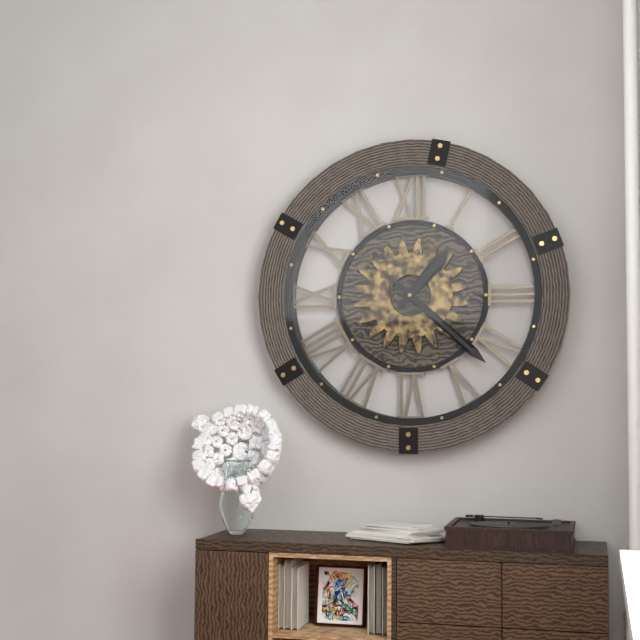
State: 1:22
